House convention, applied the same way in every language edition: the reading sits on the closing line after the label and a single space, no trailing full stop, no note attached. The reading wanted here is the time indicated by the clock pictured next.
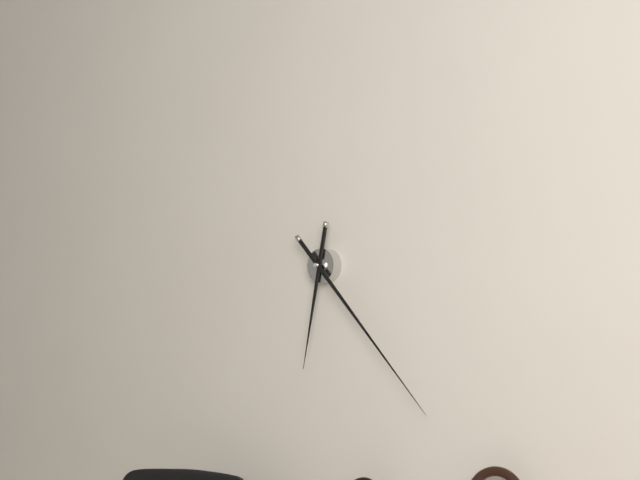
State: 6:23
